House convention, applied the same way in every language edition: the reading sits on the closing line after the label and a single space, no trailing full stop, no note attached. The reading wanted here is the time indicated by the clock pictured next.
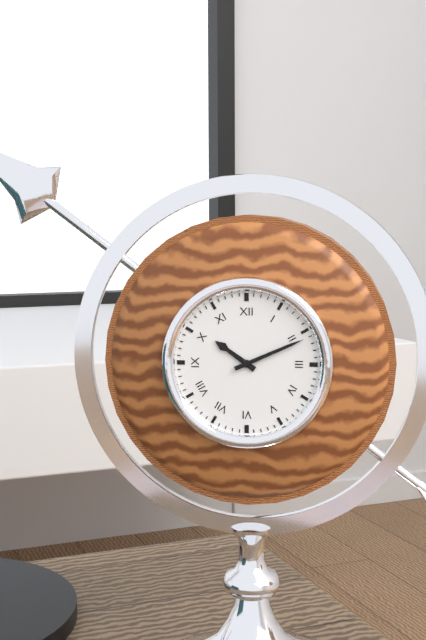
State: 10:11
